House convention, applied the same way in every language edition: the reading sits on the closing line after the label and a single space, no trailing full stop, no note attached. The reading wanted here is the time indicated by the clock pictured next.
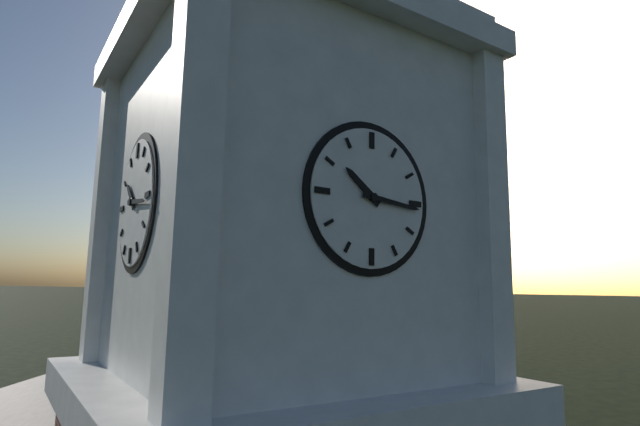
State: 10:16
